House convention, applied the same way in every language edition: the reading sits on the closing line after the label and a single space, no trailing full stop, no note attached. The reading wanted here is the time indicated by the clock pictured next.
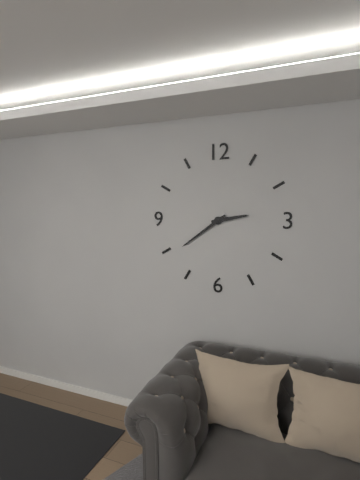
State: 2:39
